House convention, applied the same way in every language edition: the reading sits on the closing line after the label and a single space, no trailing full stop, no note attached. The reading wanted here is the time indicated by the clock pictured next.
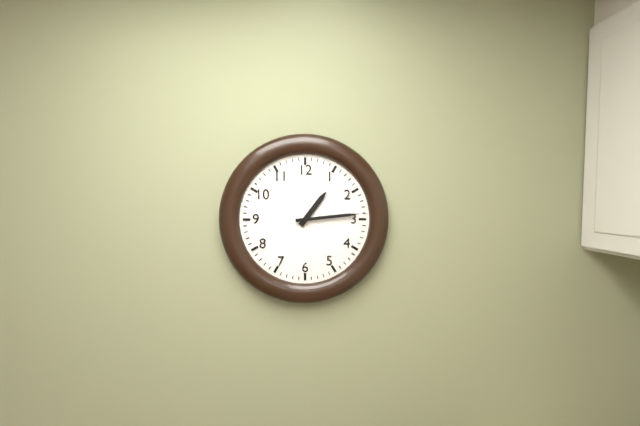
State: 1:14
